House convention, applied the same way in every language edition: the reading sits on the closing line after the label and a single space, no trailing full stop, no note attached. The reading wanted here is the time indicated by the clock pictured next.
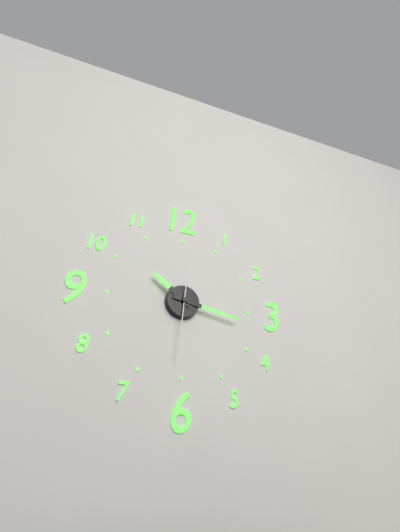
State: 10:17:31
